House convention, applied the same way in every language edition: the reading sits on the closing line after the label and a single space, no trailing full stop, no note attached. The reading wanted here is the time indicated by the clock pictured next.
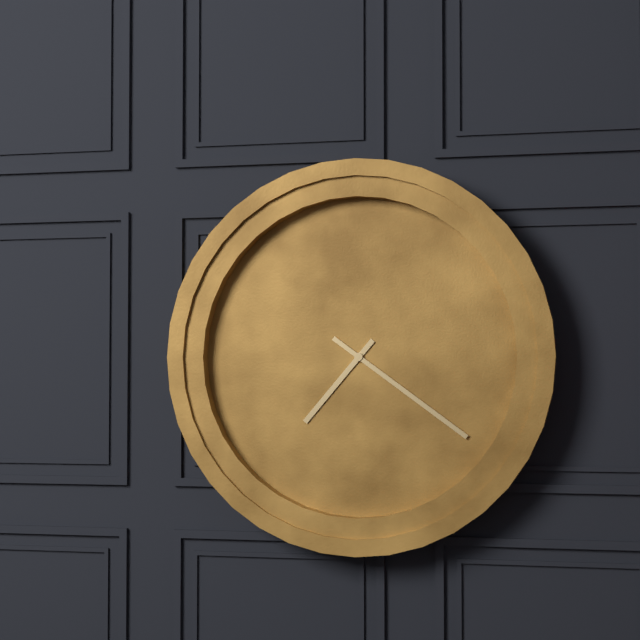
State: 7:21
